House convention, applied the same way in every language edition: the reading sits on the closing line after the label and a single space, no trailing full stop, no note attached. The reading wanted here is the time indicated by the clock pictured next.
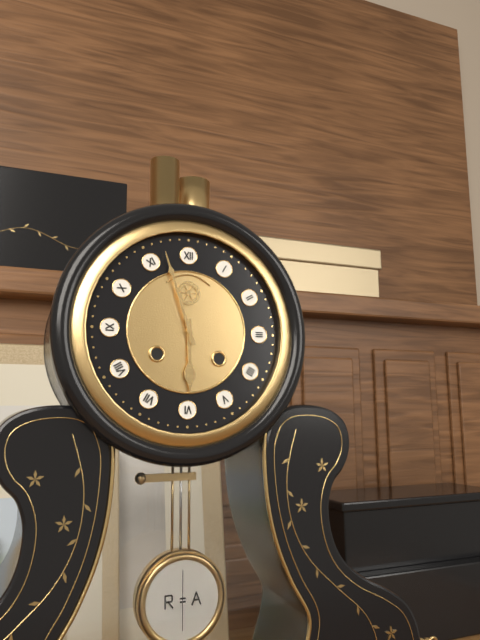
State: 5:57
